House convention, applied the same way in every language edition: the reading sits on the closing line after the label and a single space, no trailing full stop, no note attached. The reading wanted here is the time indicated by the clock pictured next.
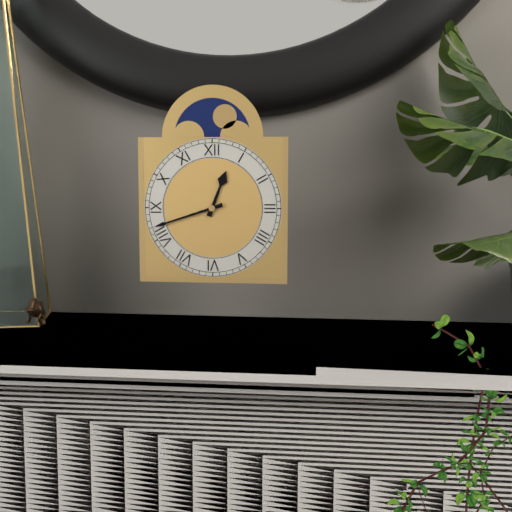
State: 12:42
